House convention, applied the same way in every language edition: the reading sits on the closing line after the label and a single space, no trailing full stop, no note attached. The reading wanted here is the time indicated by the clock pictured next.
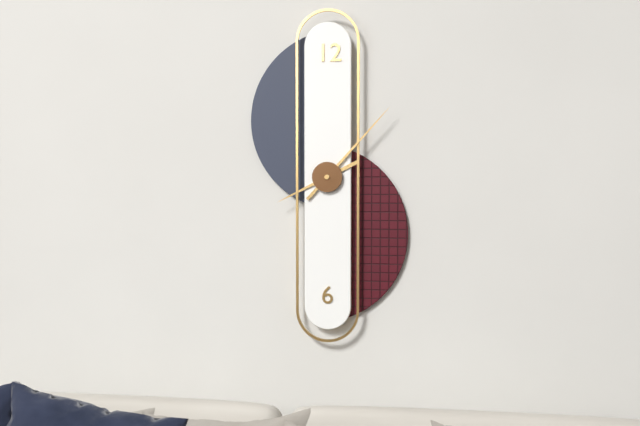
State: 8:07
